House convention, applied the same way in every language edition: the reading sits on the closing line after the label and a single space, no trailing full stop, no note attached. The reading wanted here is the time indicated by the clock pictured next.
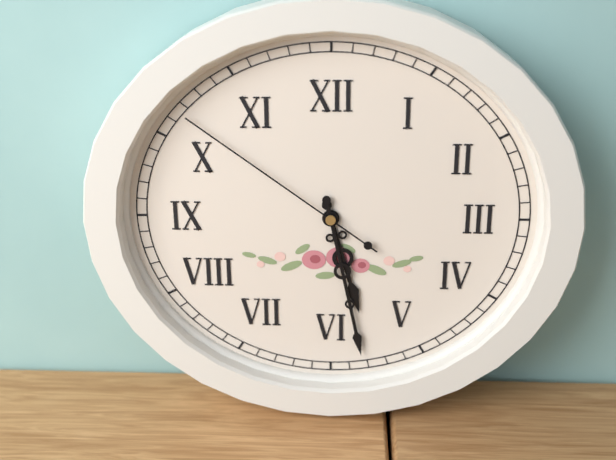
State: 5:28:51
